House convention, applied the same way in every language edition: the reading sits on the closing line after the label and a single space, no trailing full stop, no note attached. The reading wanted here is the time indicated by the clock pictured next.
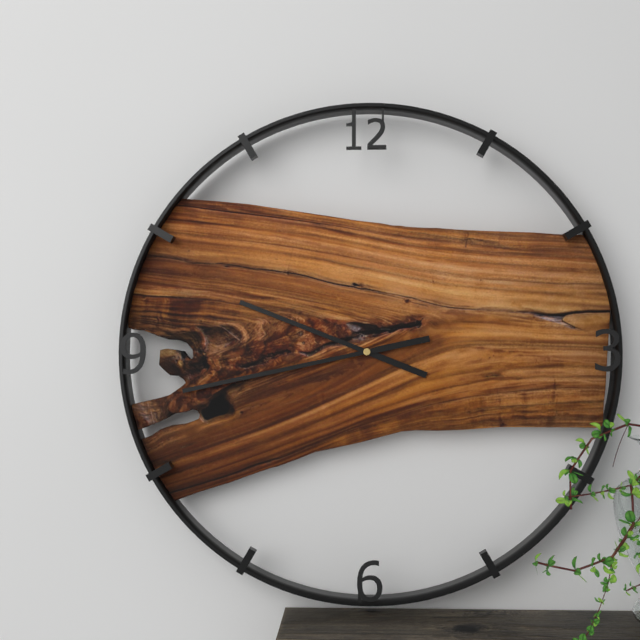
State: 9:43
